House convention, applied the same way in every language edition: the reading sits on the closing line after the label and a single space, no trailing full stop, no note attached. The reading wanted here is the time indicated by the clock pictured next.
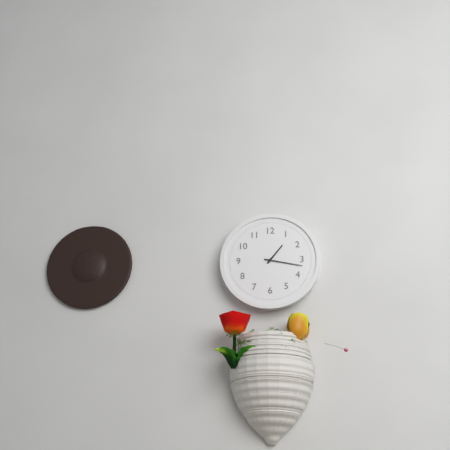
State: 1:17
